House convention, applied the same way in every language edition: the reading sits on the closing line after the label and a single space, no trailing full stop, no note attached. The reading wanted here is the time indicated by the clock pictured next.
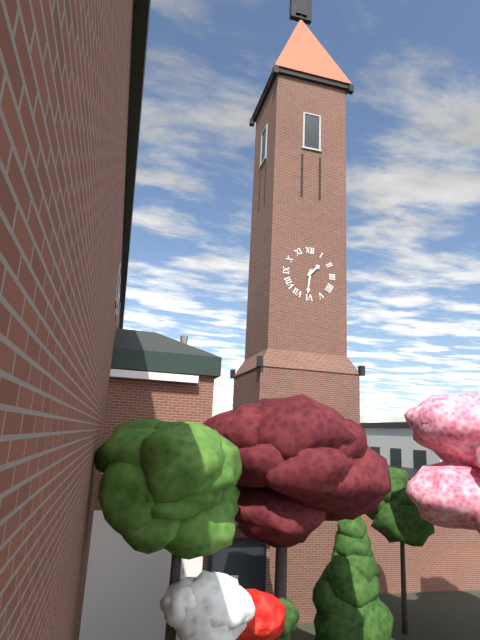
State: 1:31
